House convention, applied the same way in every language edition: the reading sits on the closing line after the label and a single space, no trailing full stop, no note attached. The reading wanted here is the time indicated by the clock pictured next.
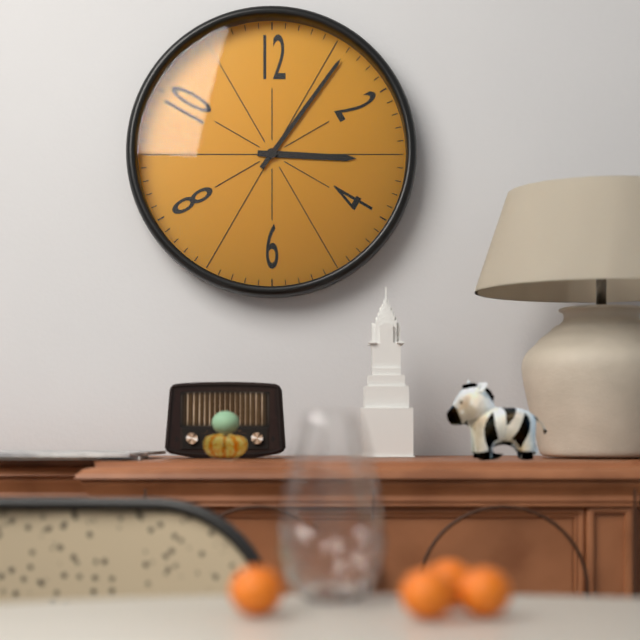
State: 3:06
